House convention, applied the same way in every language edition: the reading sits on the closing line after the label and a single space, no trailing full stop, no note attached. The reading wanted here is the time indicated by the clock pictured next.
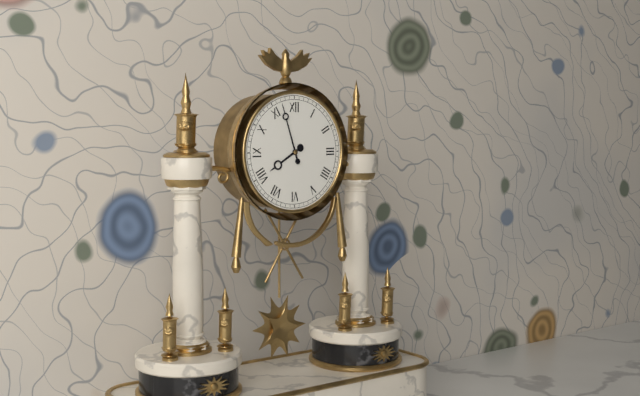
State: 7:57
